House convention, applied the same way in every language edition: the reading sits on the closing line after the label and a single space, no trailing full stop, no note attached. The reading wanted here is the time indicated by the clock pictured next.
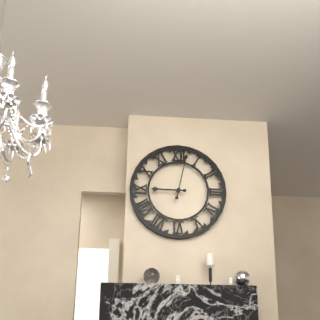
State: 9:02
